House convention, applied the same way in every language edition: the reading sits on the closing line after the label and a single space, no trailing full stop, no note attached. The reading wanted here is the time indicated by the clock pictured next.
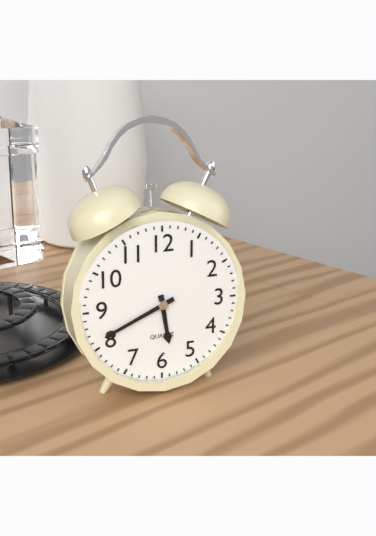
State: 5:41
